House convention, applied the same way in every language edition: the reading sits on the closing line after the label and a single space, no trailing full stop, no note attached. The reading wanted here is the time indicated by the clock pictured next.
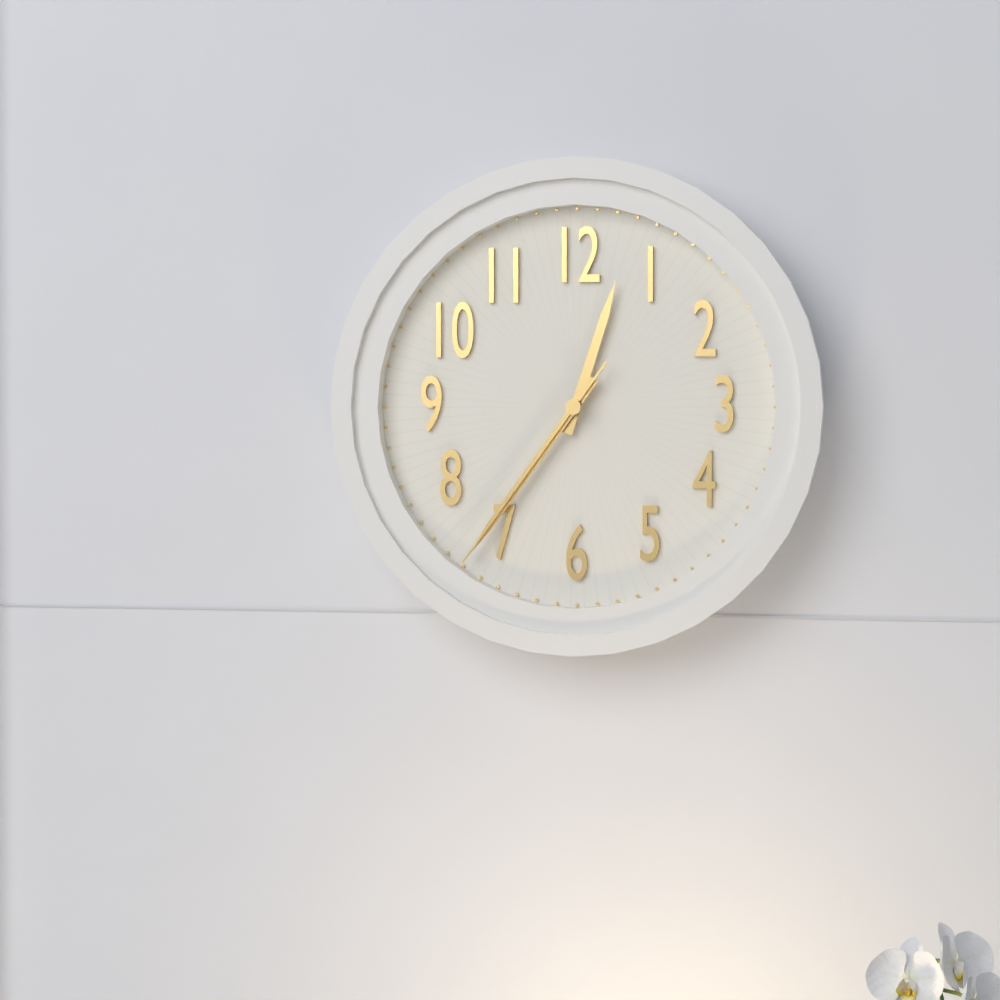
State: 12:36:36
